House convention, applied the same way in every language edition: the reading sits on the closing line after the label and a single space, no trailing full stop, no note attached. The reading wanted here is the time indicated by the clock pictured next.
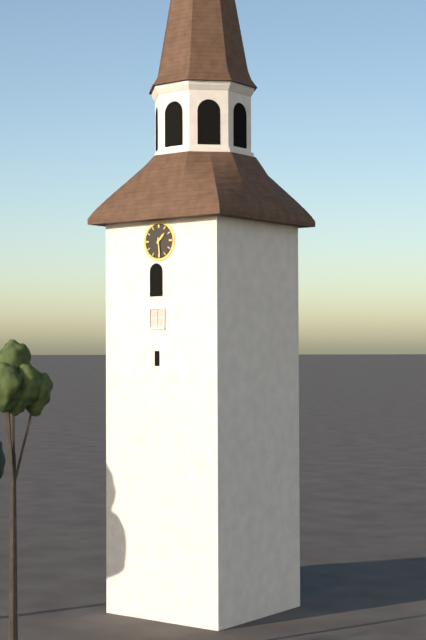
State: 1:29
